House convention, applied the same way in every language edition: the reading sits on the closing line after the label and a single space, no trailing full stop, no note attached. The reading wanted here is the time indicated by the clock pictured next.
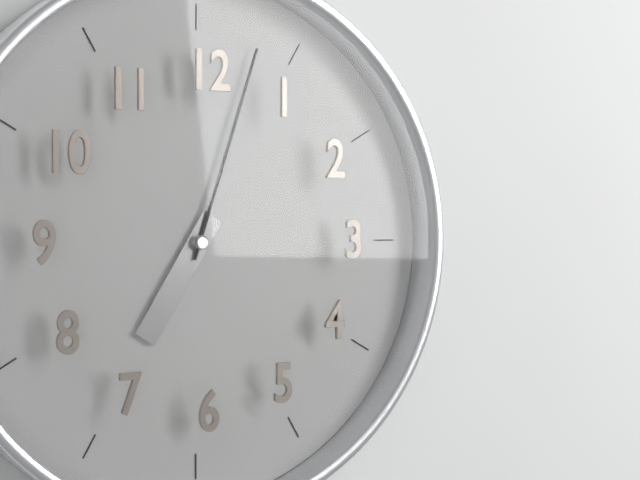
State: 7:03
